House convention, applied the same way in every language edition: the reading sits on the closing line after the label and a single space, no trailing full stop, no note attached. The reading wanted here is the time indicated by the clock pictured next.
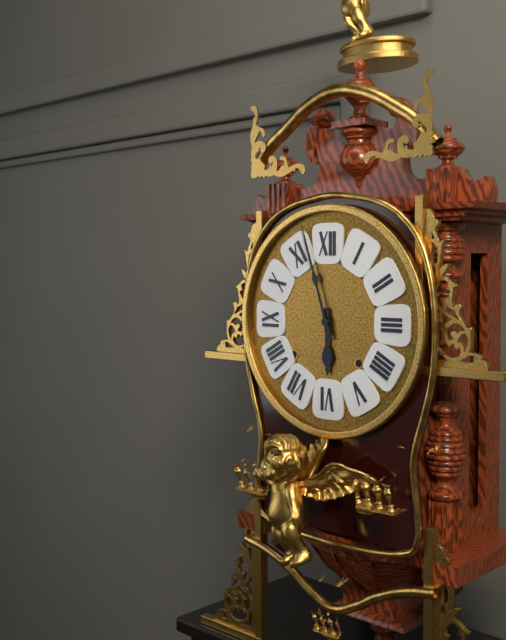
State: 5:57
